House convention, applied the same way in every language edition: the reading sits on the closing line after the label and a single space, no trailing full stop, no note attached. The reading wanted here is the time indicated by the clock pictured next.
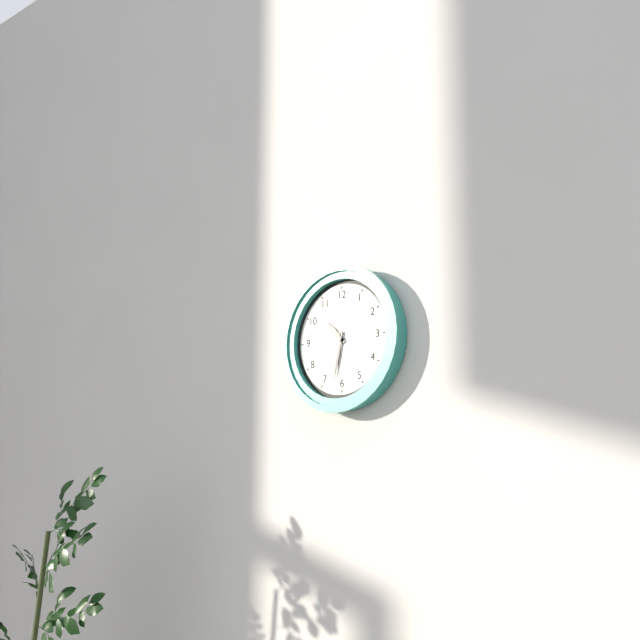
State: 10:32:58
